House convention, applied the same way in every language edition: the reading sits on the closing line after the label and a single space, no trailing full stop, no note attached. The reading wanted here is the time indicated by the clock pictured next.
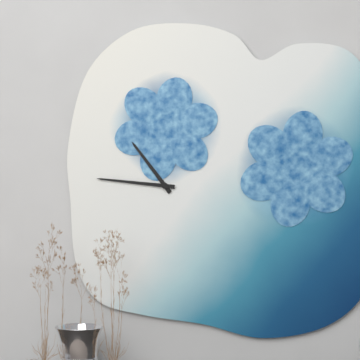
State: 10:46
